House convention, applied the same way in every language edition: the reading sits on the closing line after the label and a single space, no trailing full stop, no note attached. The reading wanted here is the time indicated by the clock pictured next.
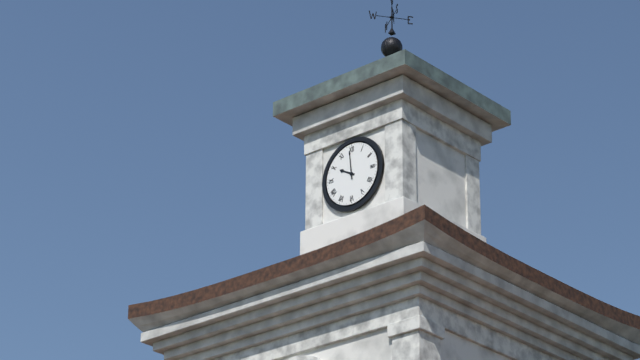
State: 9:59
